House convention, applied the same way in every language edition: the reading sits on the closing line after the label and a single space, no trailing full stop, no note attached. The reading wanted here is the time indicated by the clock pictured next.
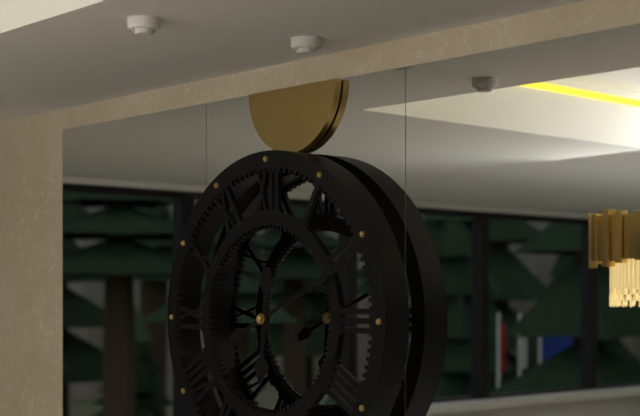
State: 6:11
